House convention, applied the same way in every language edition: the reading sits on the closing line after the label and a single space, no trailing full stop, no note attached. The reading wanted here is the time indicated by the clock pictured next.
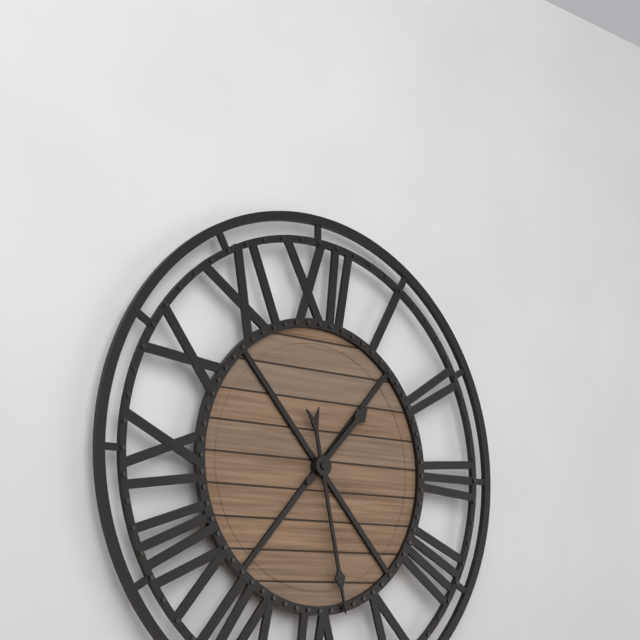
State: 1:28
